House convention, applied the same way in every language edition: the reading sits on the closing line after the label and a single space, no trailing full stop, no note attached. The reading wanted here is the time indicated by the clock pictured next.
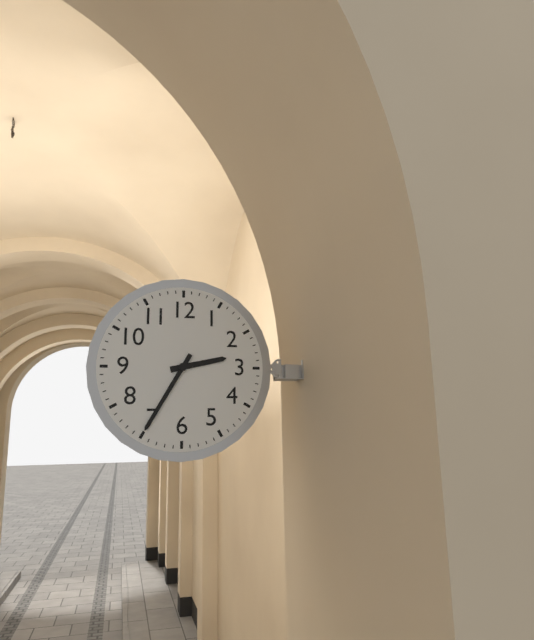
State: 2:35
